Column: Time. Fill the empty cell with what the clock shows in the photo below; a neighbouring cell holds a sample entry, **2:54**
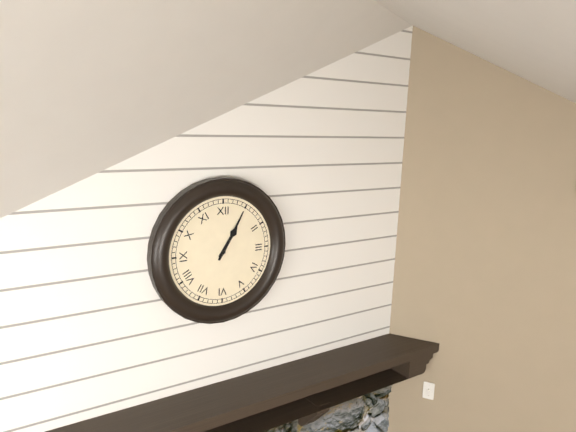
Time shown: **1:05**
